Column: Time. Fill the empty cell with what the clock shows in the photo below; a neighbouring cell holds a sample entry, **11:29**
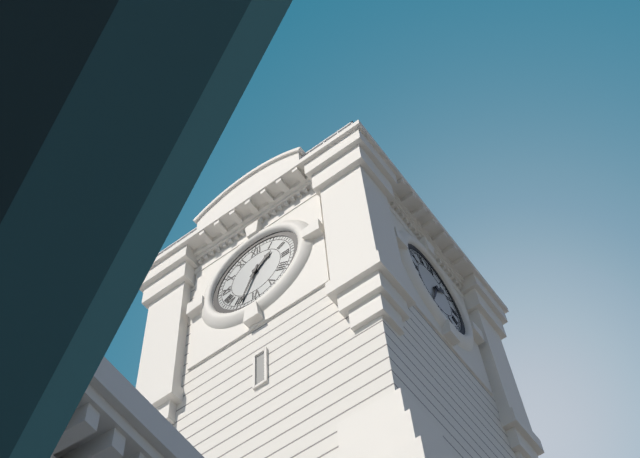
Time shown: **1:34**
